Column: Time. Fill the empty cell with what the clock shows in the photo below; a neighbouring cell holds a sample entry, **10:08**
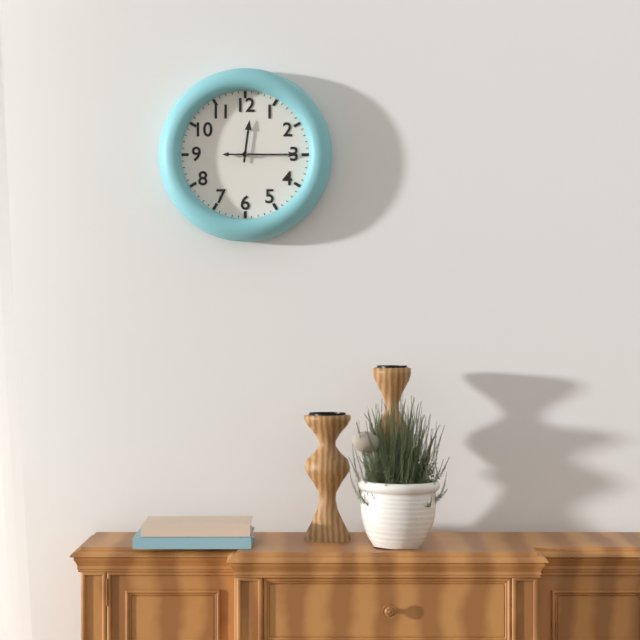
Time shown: **12:15**
